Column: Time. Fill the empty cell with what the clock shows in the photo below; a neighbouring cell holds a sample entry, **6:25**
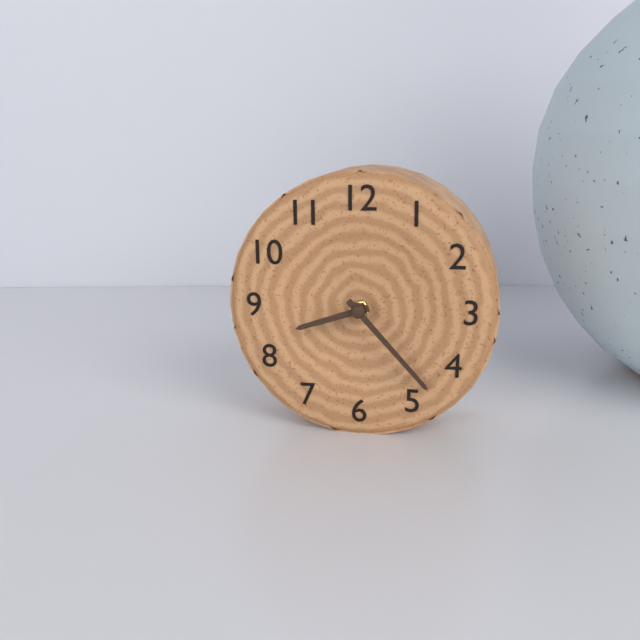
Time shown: **8:23**
